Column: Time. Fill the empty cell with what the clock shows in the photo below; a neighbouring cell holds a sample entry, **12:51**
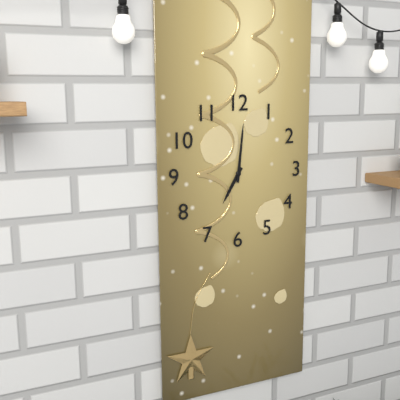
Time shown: **7:01**
